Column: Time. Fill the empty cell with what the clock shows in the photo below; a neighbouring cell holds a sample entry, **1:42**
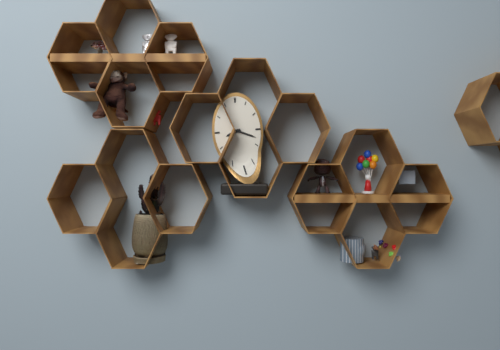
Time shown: **8:19**
